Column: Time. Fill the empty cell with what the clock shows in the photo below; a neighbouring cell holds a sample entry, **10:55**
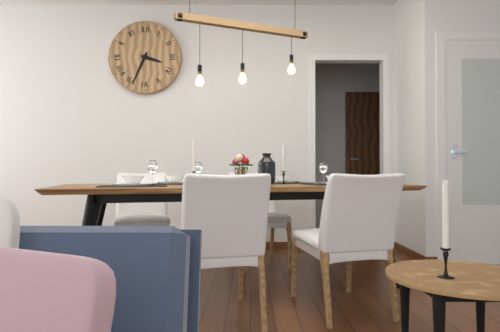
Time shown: **3:34**
